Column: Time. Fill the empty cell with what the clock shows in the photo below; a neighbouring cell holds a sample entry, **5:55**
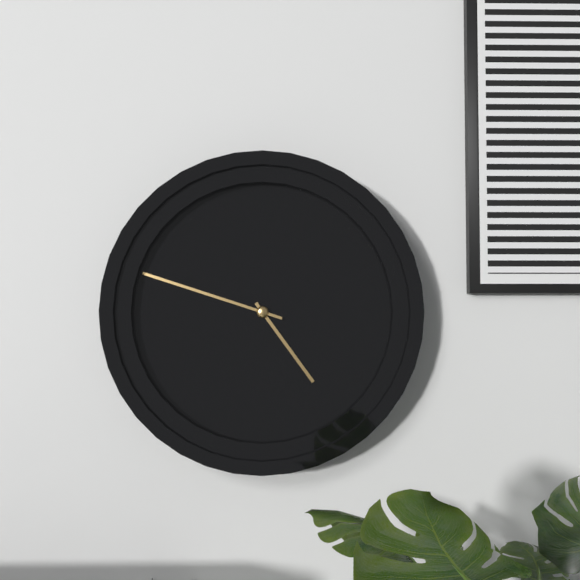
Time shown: **4:48**
